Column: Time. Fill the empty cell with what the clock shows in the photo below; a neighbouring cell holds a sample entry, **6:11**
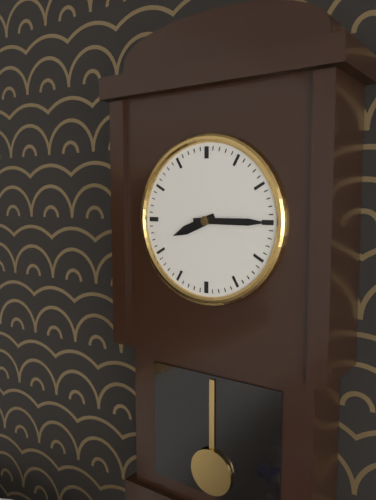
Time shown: **8:15**
